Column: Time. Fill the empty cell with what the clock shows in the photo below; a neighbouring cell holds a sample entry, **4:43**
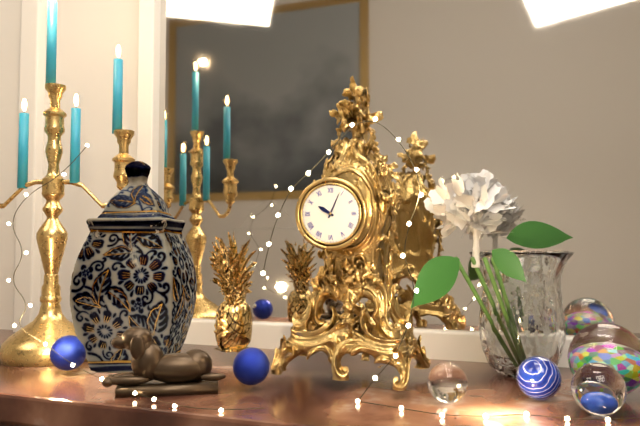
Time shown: **10:04**
